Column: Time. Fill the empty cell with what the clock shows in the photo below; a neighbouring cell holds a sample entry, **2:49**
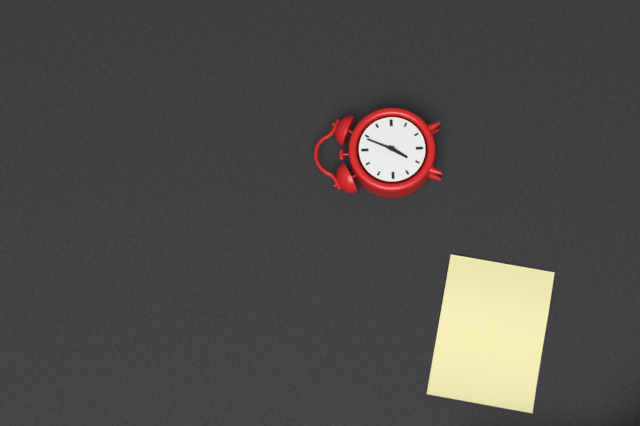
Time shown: **7:04**
